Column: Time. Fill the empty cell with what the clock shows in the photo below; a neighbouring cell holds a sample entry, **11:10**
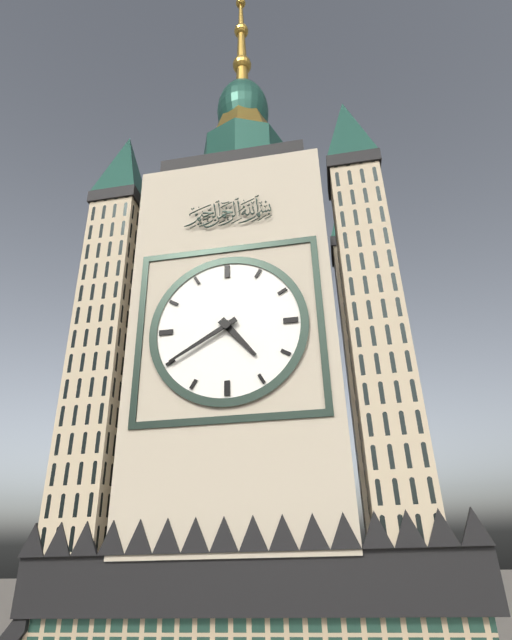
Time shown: **4:40**
